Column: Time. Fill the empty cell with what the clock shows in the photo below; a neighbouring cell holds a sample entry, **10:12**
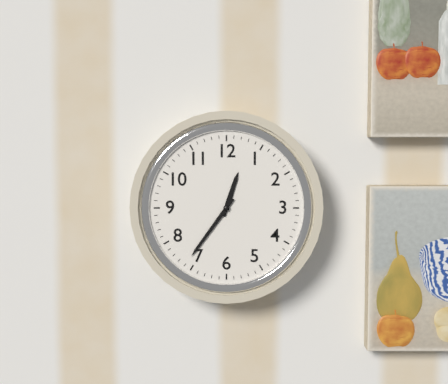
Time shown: **12:36**
